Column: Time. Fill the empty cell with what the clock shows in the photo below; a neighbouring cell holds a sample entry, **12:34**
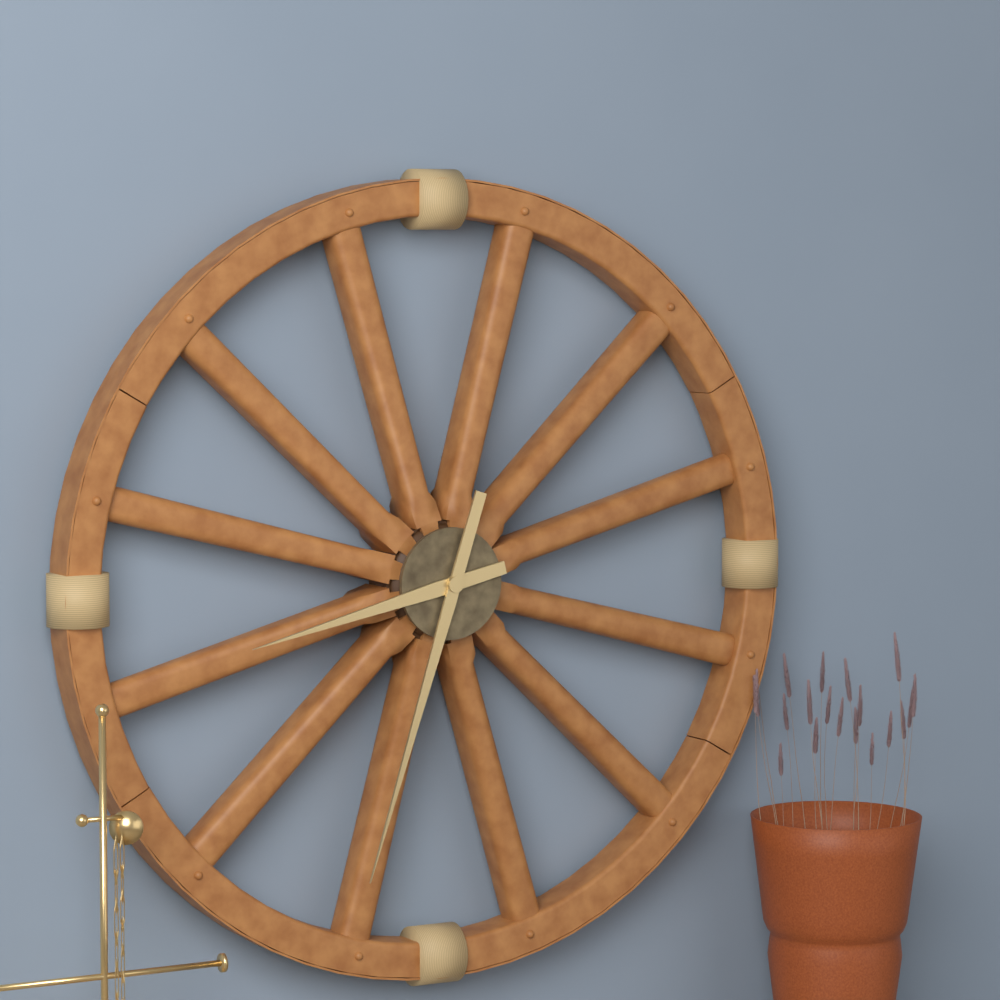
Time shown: **8:33**
